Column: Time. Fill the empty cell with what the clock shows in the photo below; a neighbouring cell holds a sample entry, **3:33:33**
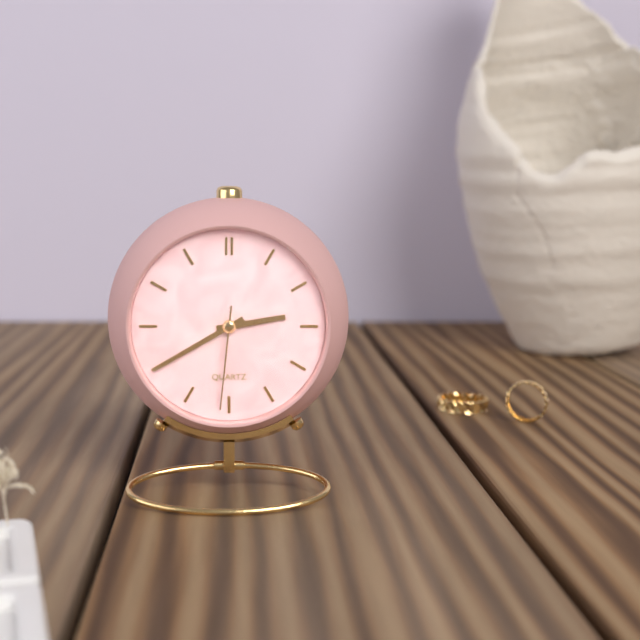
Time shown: **2:40:31**
